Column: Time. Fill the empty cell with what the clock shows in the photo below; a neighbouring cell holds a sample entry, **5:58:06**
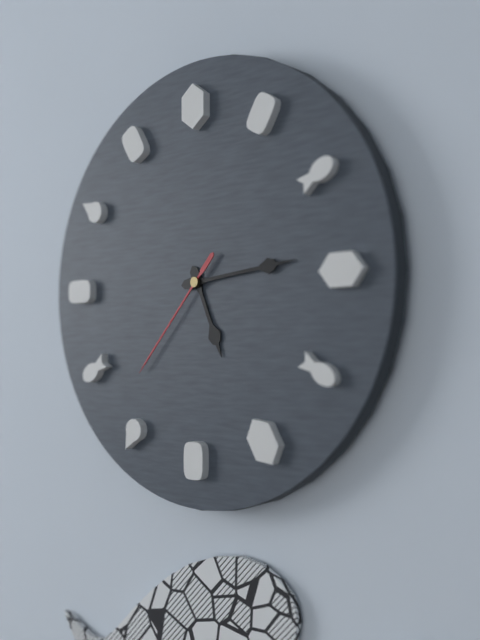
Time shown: **5:14:37**
